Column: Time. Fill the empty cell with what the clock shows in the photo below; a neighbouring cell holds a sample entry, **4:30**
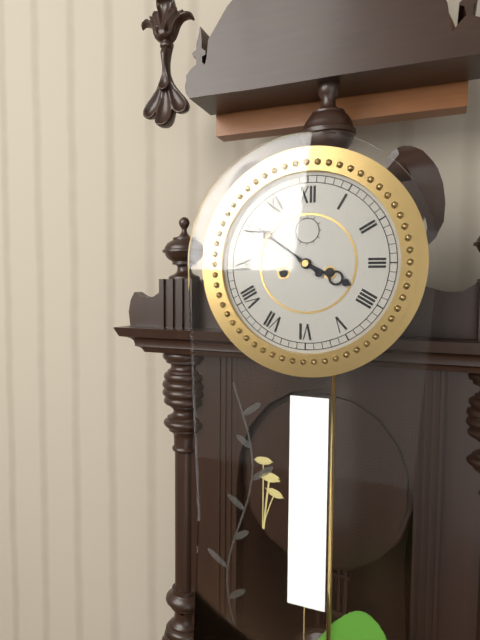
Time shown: **3:51**
